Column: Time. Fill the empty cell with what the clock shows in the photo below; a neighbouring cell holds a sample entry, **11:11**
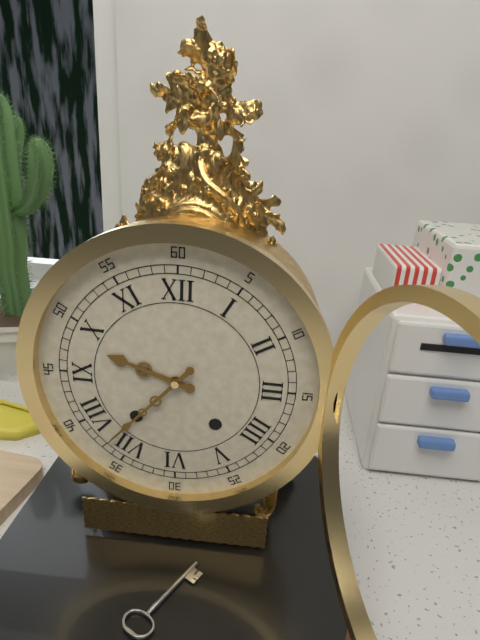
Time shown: **9:37**
